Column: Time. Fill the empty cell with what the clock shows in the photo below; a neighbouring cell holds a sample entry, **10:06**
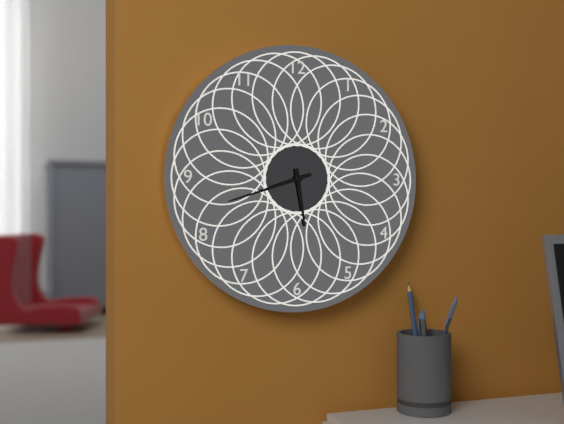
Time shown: **5:42**
